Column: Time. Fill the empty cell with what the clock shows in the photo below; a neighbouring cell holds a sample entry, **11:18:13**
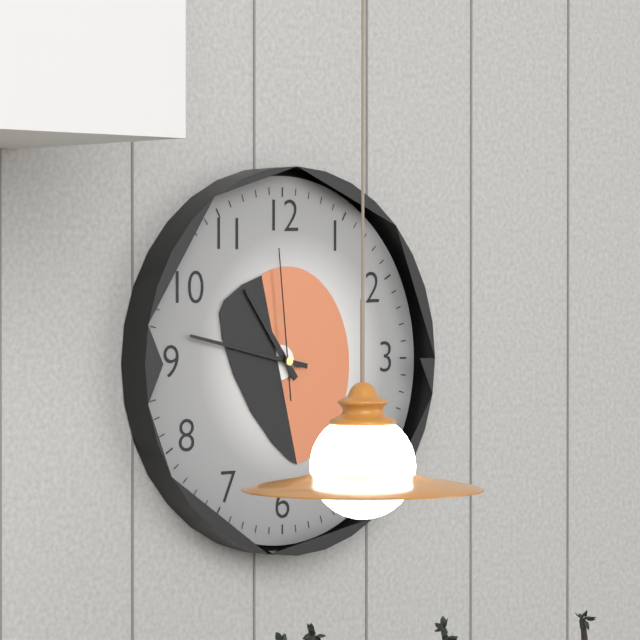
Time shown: **10:47:59**
